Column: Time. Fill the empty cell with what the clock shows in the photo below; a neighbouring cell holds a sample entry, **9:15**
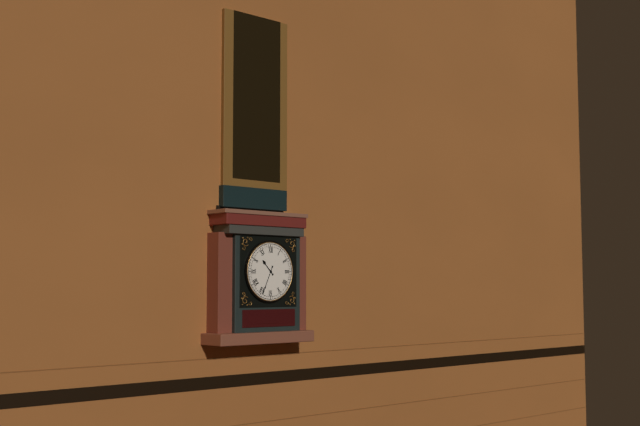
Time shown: **10:34**
